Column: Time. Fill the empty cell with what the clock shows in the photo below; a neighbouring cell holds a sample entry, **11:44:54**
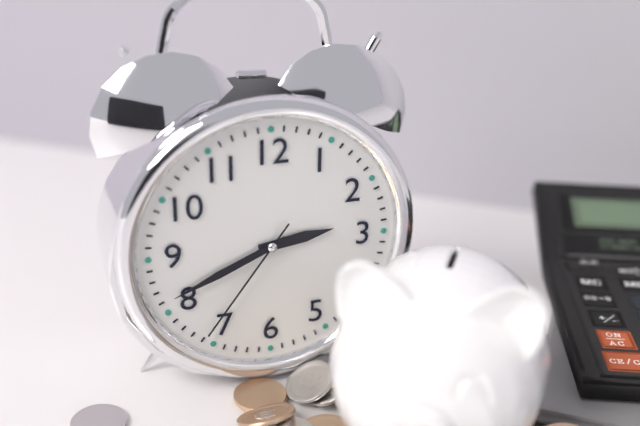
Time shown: **2:41:36**
